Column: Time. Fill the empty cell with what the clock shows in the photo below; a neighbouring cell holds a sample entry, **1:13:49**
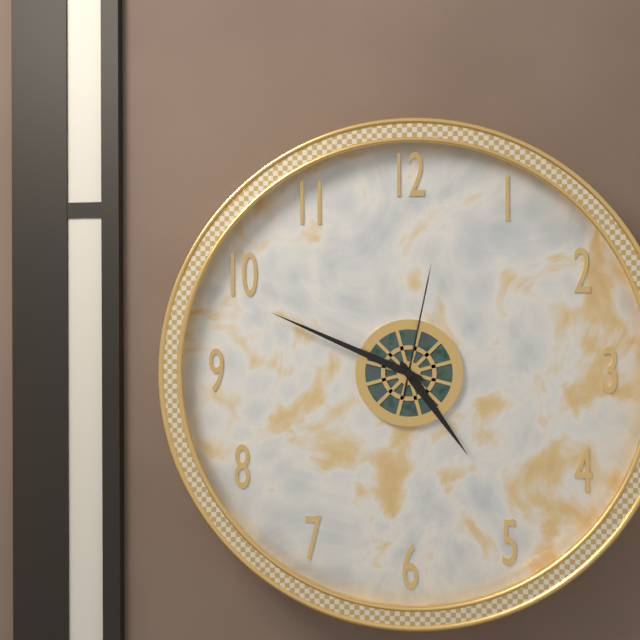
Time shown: **4:49:02**
